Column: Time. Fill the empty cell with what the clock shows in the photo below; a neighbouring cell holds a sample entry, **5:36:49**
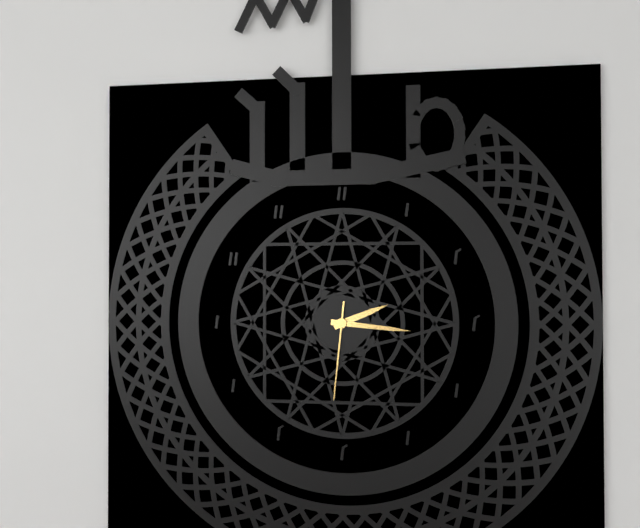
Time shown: **2:16:31**
